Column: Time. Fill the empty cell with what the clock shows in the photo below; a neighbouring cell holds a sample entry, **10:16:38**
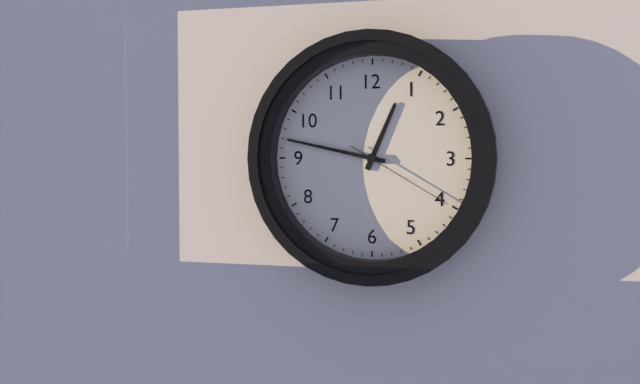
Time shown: **12:47:20**
